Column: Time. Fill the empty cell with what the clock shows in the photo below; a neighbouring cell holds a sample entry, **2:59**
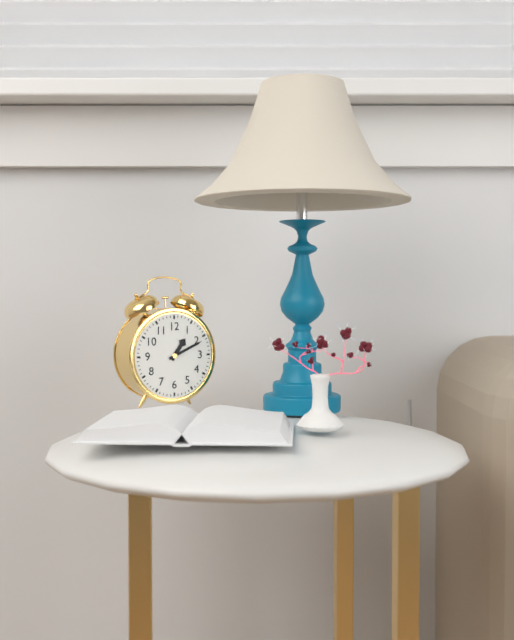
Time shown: **1:11**
